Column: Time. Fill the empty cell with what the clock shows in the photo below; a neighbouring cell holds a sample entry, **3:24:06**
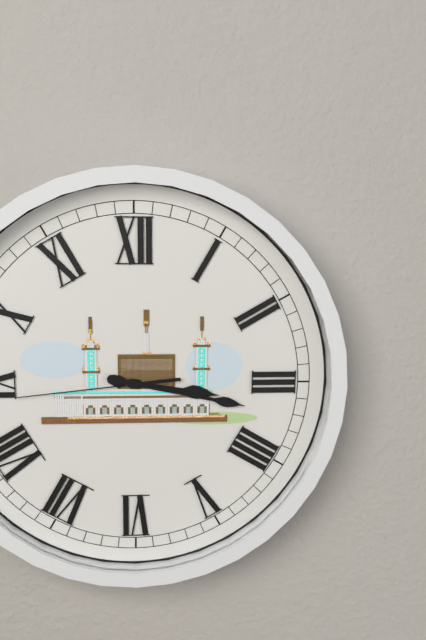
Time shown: **3:17:44**
